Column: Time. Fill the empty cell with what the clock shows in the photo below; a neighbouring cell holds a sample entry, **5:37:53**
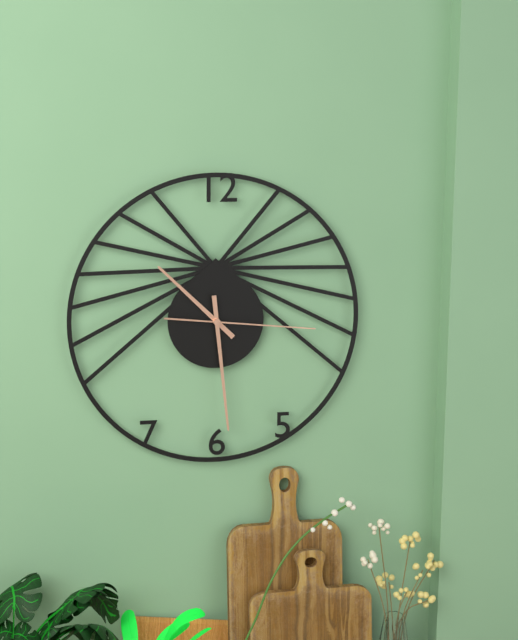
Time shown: **10:29:16**
